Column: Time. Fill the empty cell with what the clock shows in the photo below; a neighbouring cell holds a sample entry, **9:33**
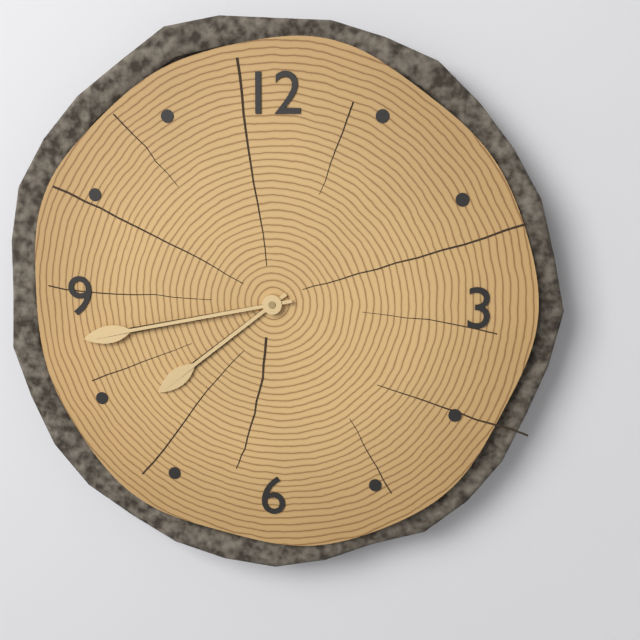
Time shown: **7:43**
